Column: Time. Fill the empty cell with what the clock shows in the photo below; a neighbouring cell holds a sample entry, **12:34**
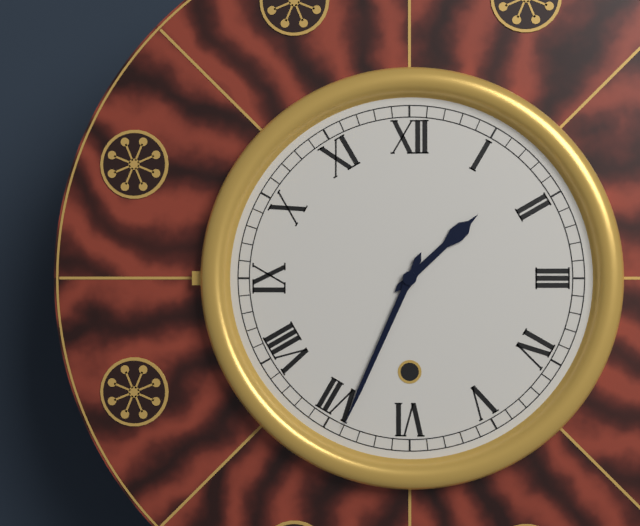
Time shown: **1:34**
